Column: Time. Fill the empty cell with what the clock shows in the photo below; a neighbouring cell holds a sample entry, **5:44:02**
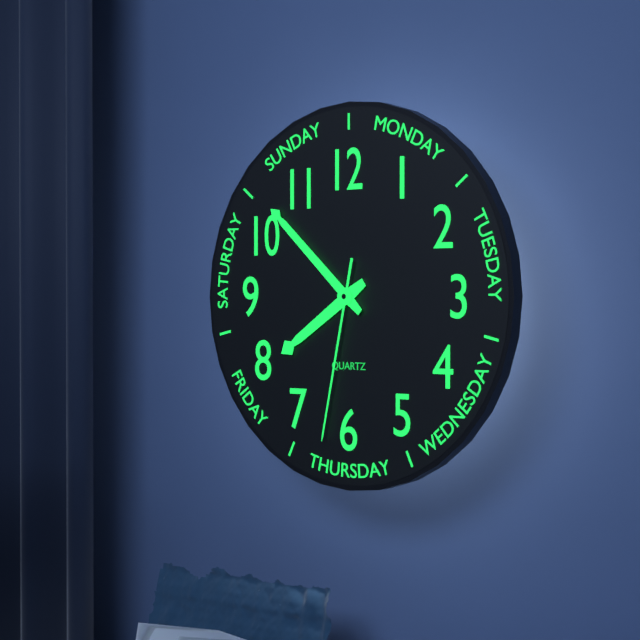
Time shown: **7:52:32**
